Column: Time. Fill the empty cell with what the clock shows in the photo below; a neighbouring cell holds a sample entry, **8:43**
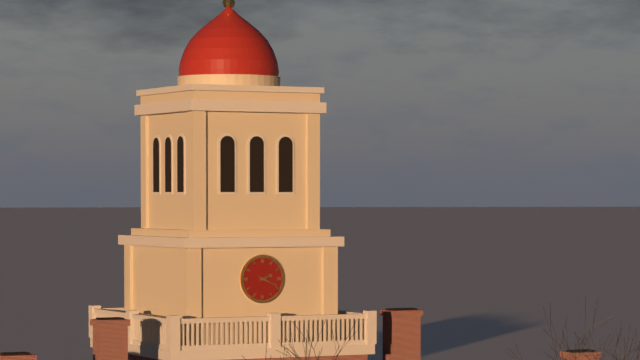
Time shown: **2:19**
